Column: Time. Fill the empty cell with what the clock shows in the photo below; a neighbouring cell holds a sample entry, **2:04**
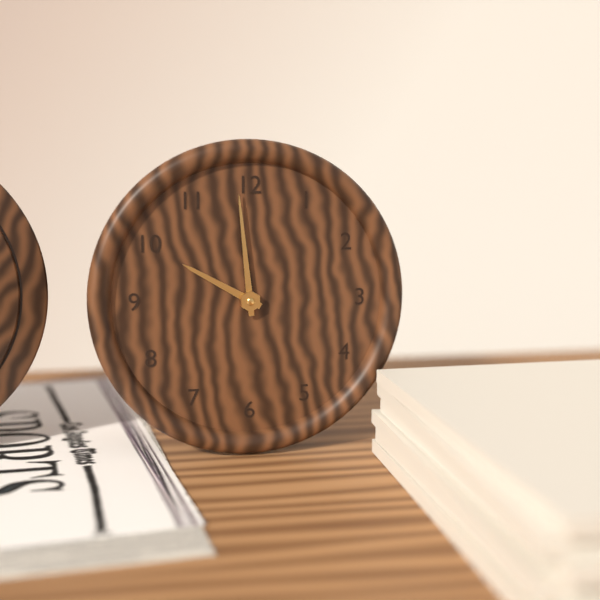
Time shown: **9:59**
